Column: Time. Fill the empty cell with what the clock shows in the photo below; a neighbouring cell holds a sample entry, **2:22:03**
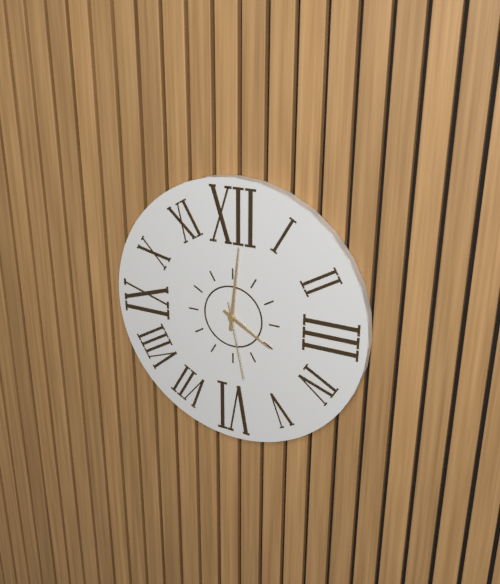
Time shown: **4:01:28**
